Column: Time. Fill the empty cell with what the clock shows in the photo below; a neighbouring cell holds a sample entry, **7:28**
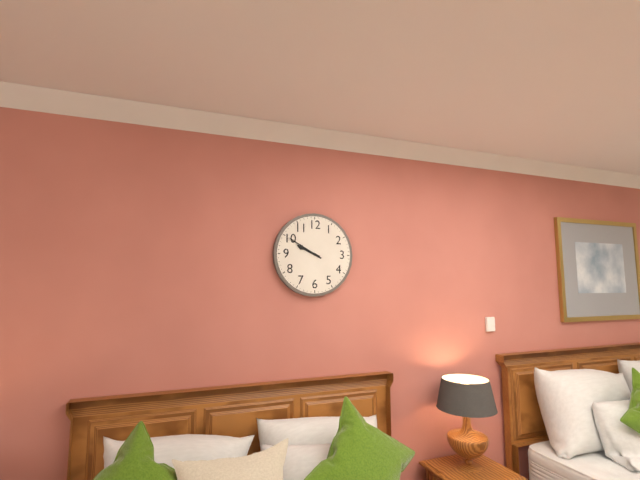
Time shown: **9:50**
